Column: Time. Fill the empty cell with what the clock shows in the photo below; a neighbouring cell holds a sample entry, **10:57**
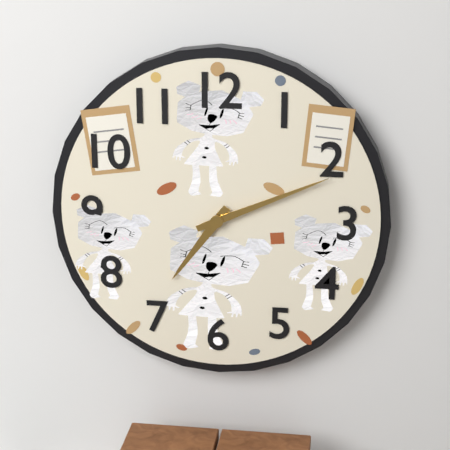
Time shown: **7:11**
